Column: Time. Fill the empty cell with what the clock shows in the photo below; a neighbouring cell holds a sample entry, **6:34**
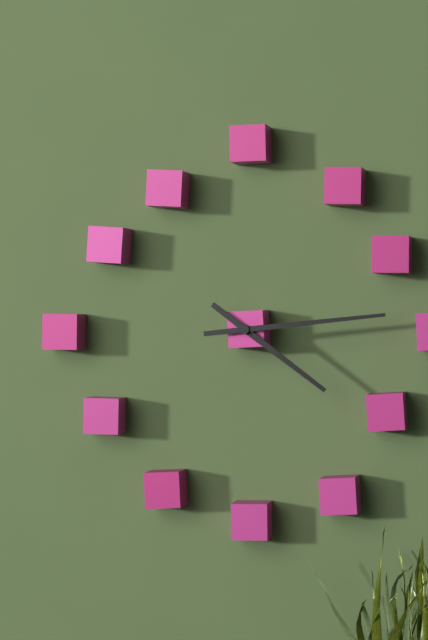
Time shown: **4:14**
